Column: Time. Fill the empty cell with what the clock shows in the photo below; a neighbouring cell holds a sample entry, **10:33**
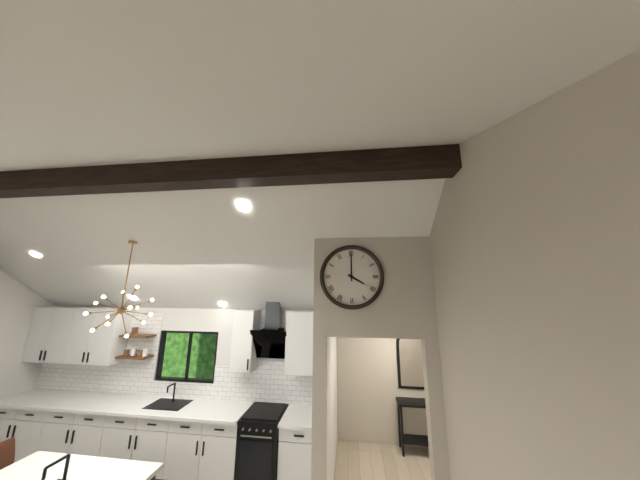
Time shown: **4:00**
